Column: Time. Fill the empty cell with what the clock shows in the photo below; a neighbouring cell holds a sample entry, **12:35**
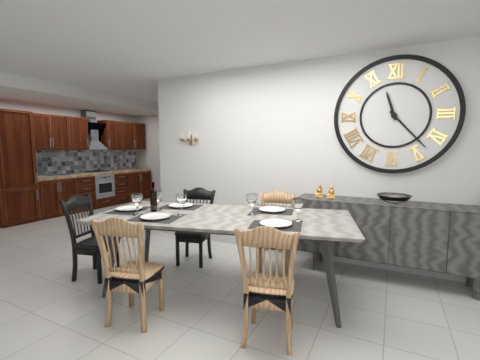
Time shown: **11:23**
